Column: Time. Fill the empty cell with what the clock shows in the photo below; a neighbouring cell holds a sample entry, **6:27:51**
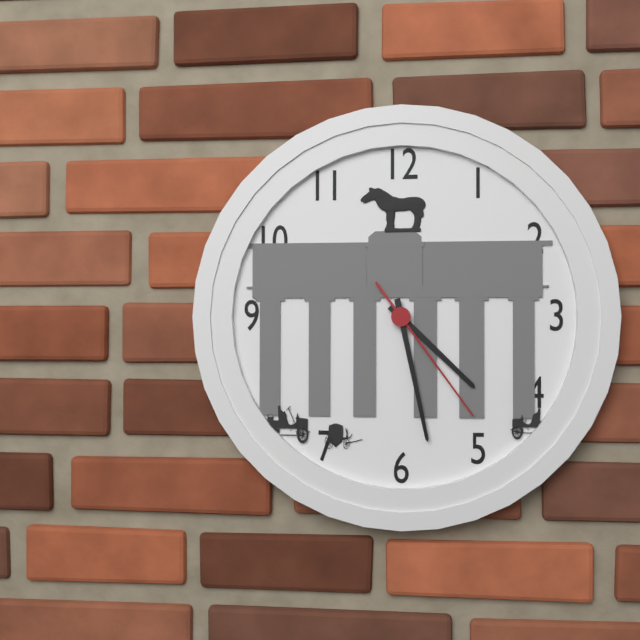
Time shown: **4:28:24**
